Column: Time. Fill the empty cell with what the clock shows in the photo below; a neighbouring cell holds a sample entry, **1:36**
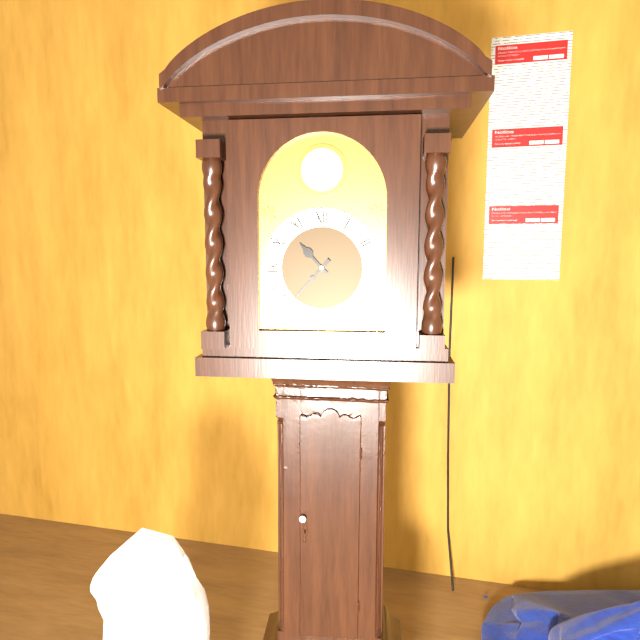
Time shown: **10:37**
